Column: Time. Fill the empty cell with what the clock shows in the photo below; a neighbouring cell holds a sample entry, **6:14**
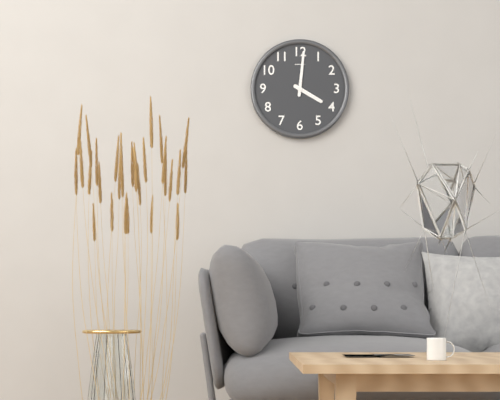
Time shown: **4:01**
